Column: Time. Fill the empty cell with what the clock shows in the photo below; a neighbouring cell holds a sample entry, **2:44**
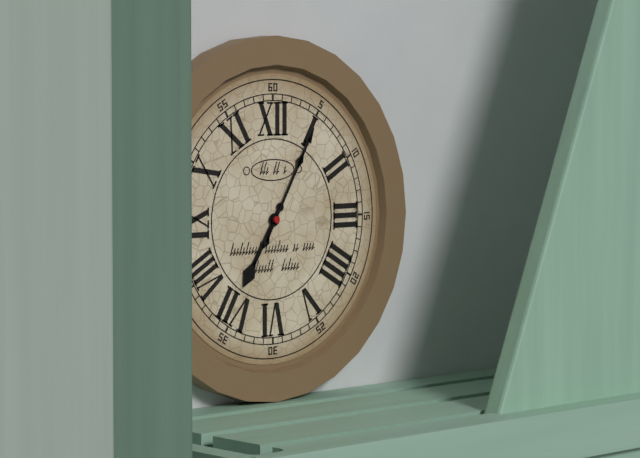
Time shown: **7:05**
